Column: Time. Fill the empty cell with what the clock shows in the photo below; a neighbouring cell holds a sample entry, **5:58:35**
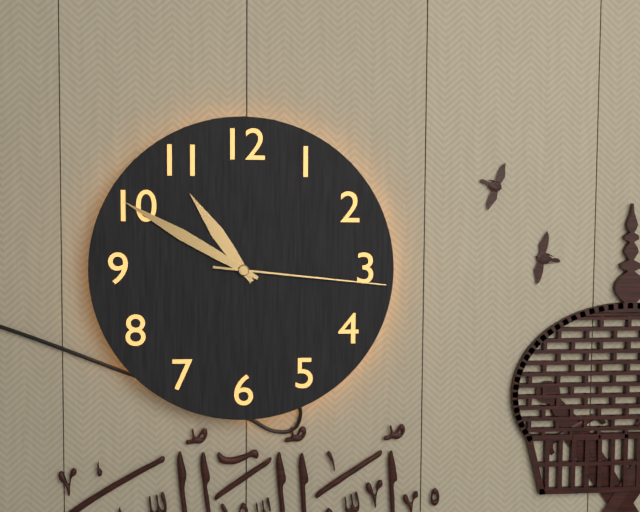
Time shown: **10:50:16**
